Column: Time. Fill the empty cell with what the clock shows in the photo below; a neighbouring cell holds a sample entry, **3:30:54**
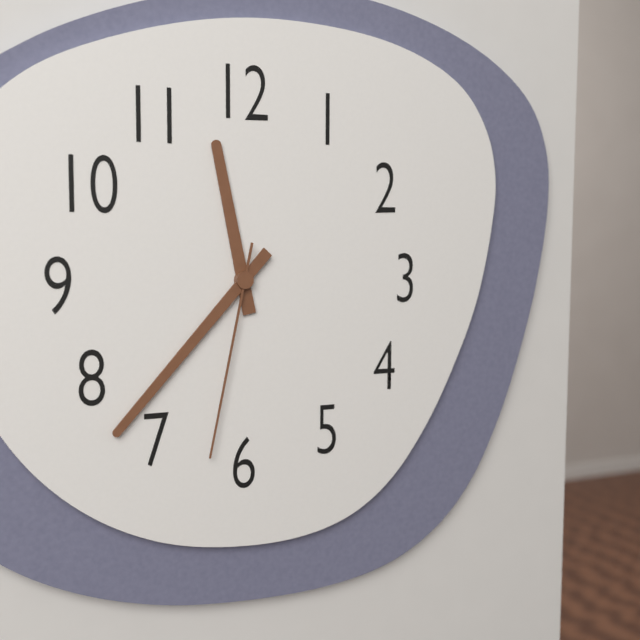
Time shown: **11:37:32**
